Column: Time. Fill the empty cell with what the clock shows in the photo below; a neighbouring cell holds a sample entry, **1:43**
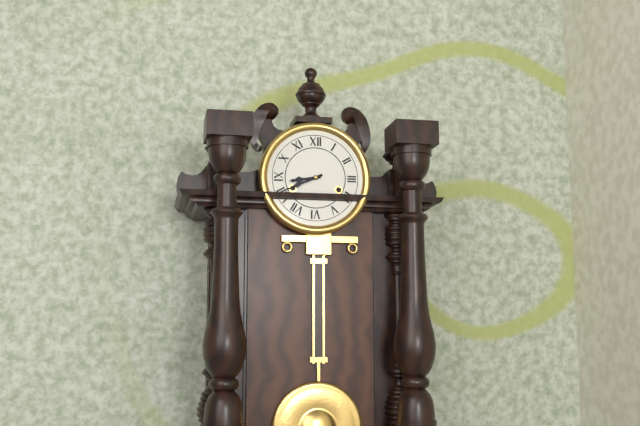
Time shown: **8:41**
